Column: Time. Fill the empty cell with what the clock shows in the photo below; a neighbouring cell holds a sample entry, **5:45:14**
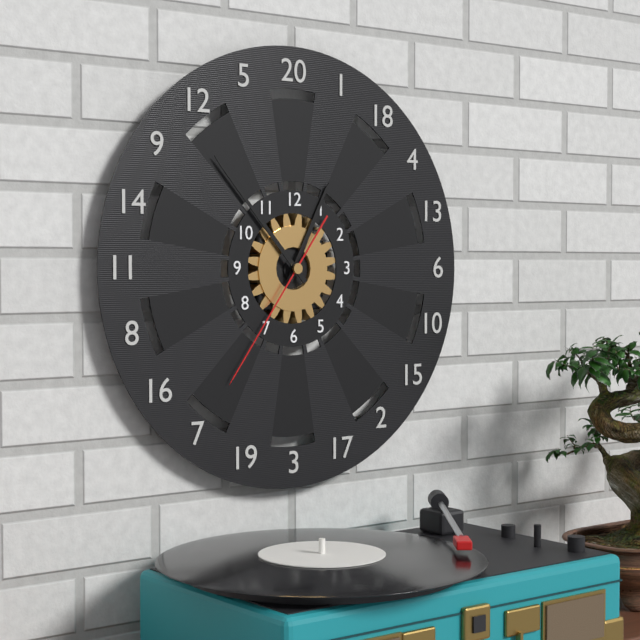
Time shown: **12:53:36**
